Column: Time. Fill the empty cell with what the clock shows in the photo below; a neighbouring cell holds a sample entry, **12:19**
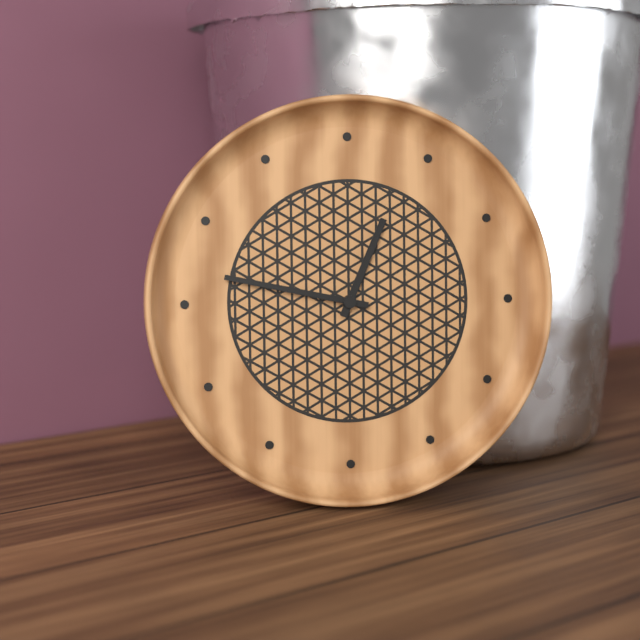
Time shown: **12:47**
